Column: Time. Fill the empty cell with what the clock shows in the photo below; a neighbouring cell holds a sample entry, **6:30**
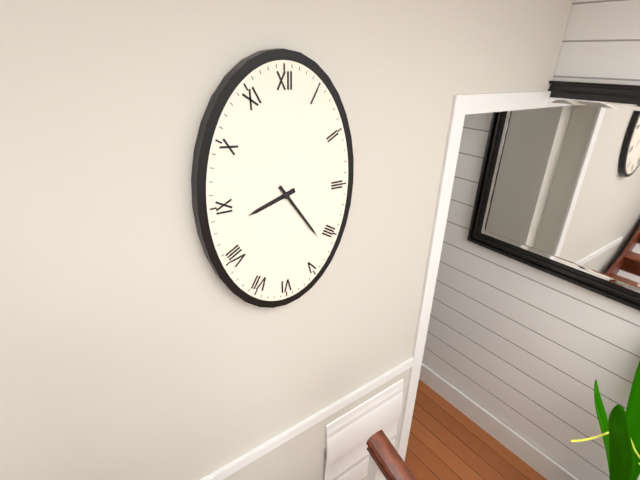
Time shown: **8:24**
